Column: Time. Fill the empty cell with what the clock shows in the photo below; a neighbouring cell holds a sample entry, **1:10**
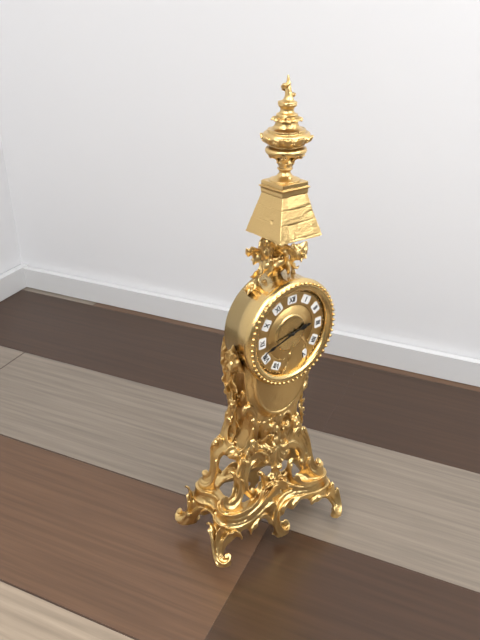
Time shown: **2:42**
